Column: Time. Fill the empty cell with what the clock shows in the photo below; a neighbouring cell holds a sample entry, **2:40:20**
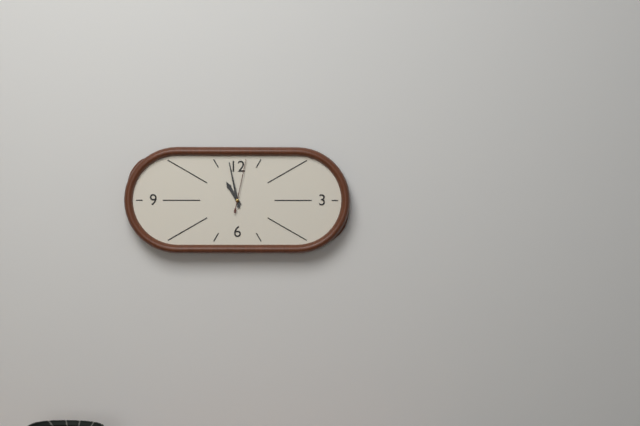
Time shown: **10:58:02**
